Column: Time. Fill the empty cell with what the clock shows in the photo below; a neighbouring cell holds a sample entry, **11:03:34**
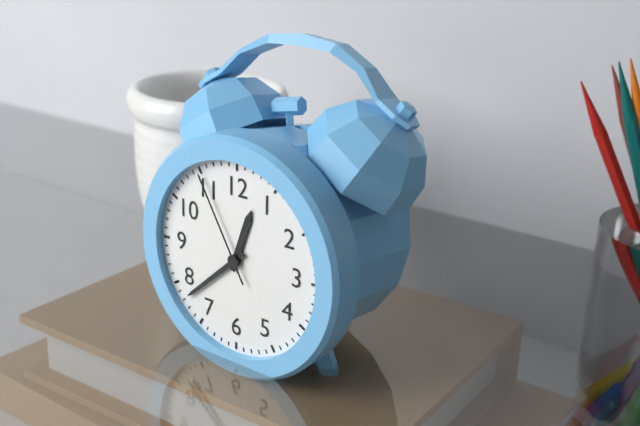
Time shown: **12:38:55**
